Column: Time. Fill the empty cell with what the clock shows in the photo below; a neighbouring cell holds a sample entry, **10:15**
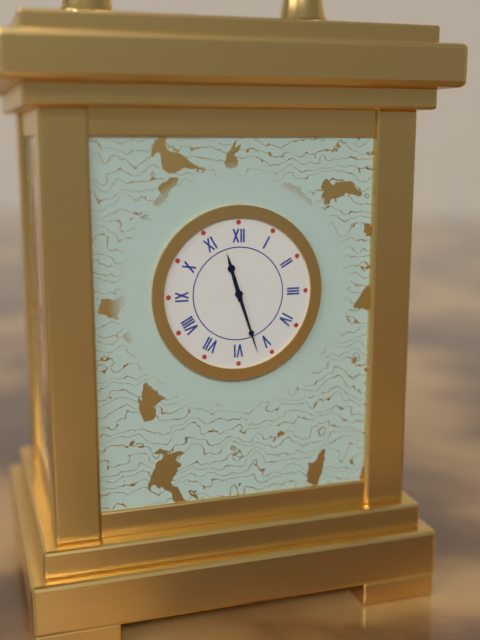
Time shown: **11:27**
